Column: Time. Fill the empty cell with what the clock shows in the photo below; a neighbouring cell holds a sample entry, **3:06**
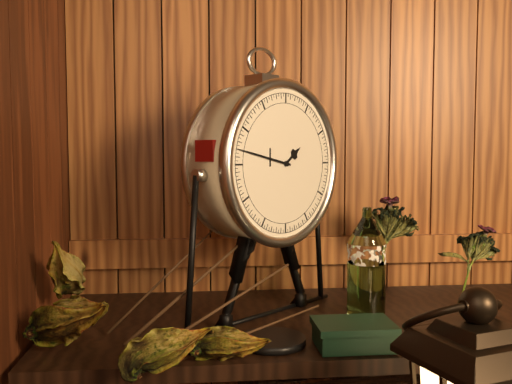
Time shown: **1:47**
